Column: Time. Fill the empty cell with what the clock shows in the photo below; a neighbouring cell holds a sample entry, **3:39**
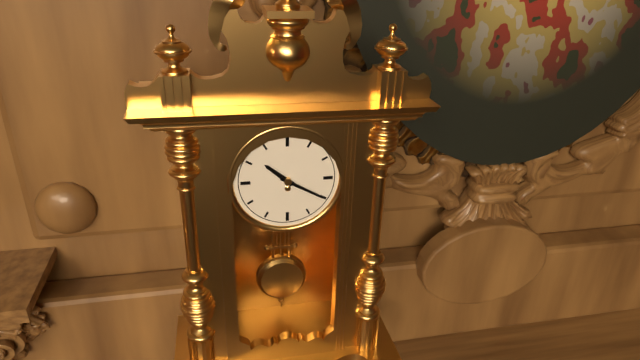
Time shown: **10:20**
